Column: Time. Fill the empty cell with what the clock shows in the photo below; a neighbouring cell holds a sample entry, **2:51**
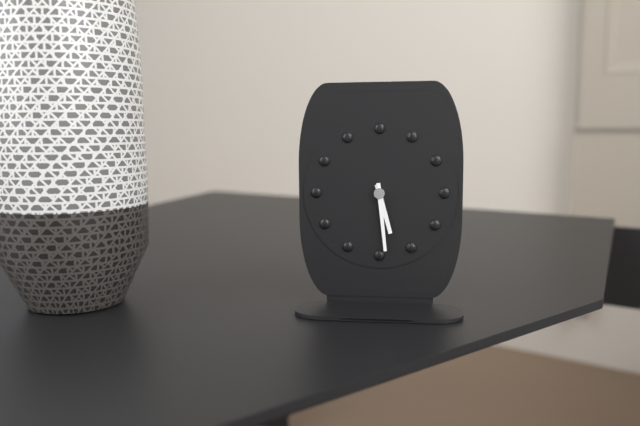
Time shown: **5:29**
